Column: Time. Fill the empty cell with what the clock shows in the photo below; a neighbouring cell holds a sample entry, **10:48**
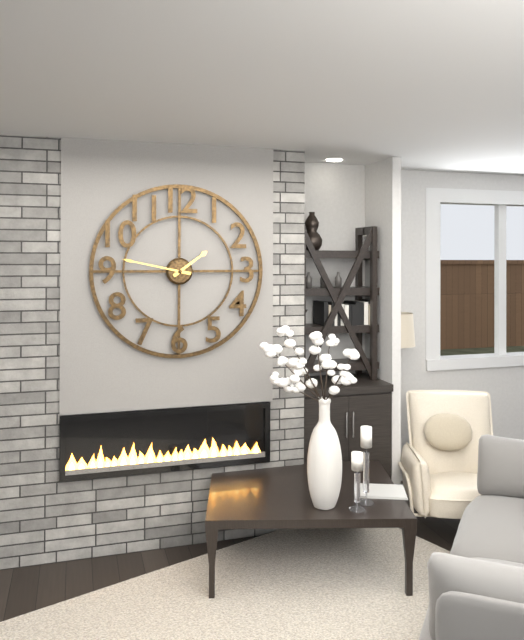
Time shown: **1:47**
